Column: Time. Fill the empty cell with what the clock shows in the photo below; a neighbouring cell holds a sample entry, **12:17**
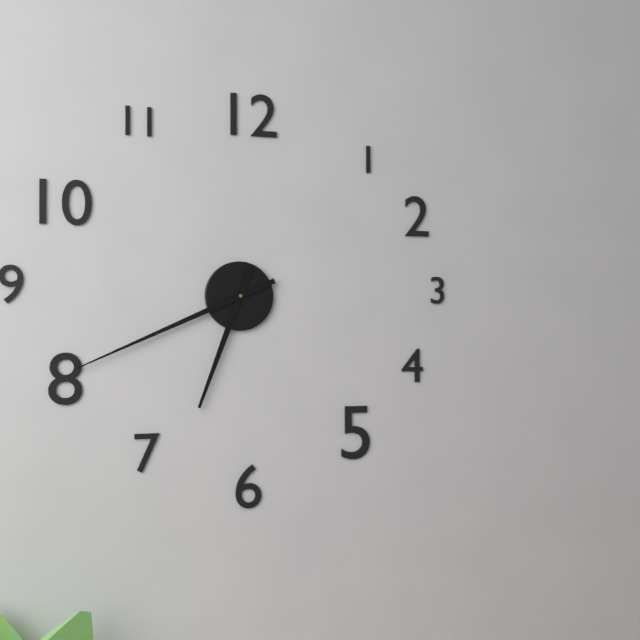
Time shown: **6:41**
